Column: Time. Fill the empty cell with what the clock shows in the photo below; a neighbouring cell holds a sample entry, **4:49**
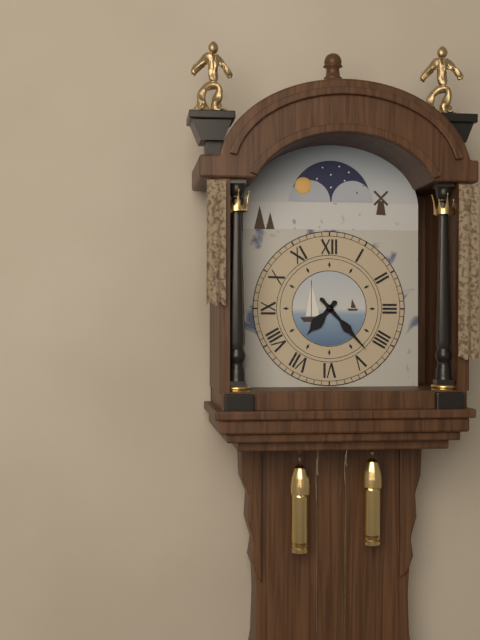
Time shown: **7:23**
